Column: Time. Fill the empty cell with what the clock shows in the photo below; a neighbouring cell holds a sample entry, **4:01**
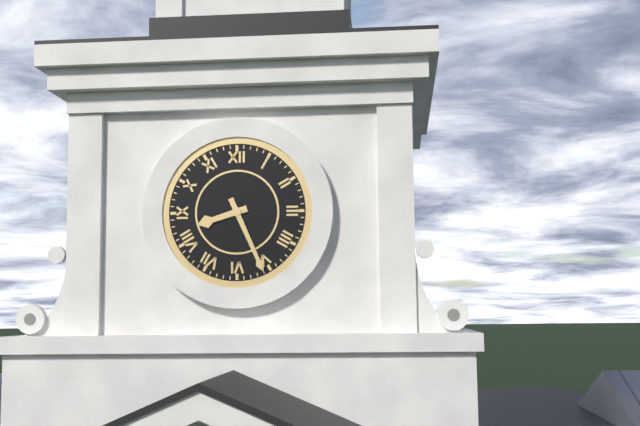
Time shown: **8:26**
